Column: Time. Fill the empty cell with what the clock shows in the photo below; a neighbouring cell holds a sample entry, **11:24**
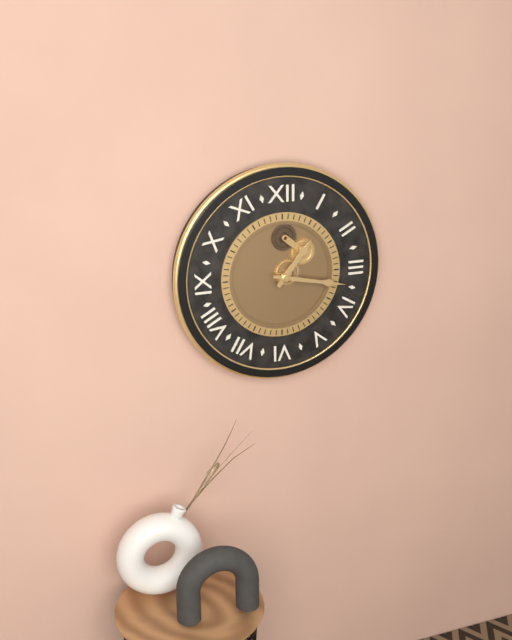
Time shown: **1:17**
